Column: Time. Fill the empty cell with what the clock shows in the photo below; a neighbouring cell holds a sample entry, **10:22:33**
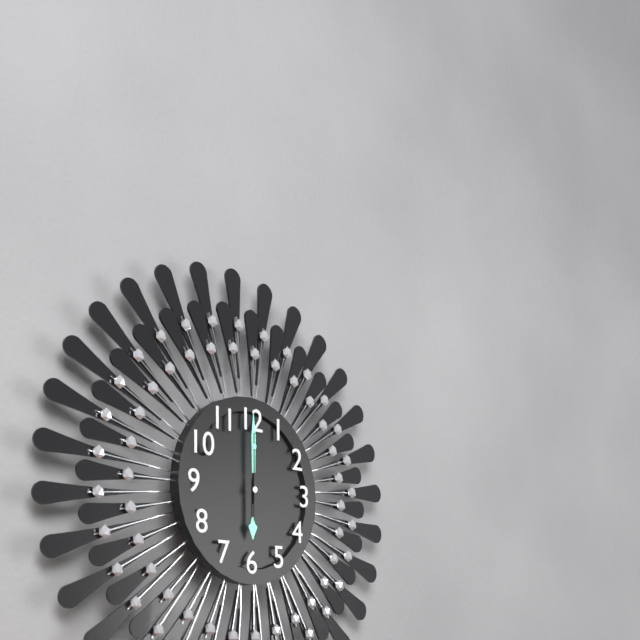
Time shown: **6:00:00**
